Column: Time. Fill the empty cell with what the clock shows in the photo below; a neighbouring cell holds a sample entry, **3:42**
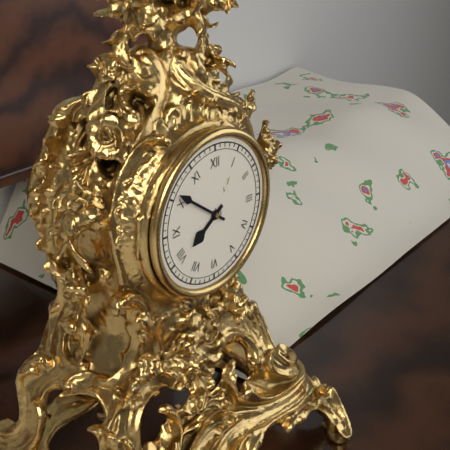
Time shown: **7:51**
